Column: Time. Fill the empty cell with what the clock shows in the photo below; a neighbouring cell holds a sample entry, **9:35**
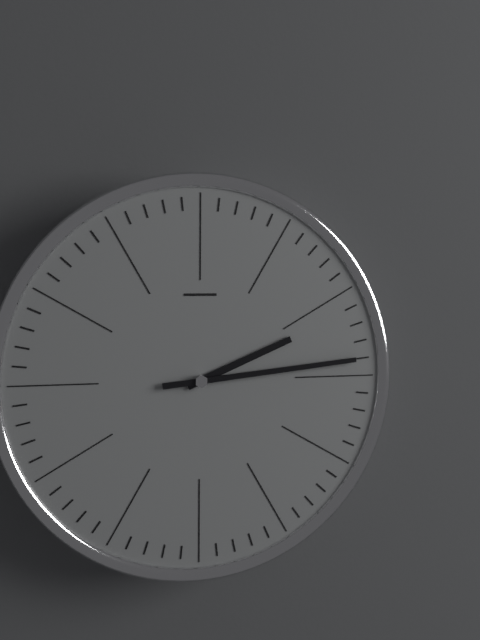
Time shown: **2:14**
